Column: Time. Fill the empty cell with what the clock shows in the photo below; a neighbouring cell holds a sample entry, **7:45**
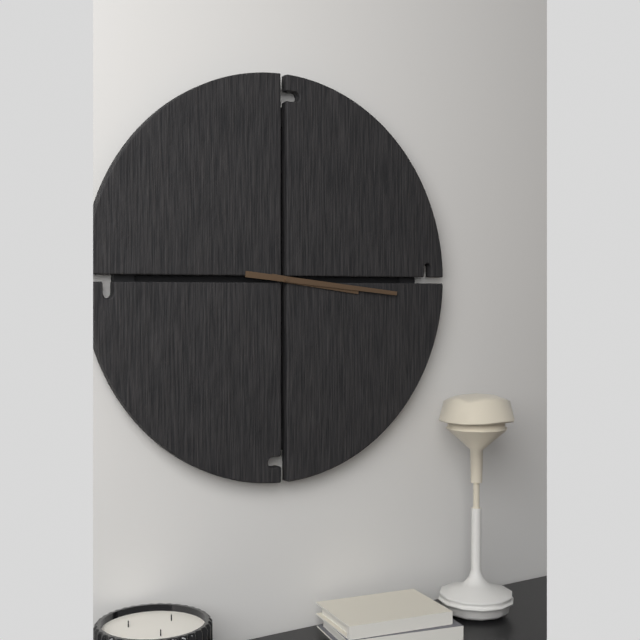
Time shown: **3:16**
